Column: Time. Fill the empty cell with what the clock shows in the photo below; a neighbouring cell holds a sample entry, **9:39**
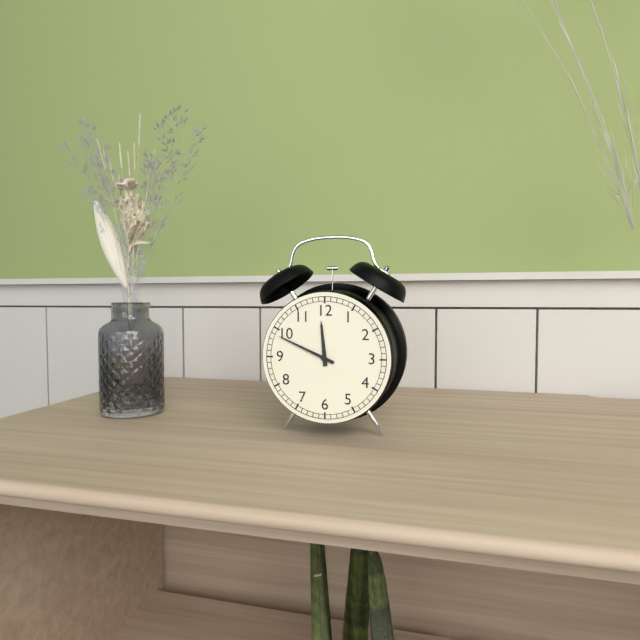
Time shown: **11:49**
